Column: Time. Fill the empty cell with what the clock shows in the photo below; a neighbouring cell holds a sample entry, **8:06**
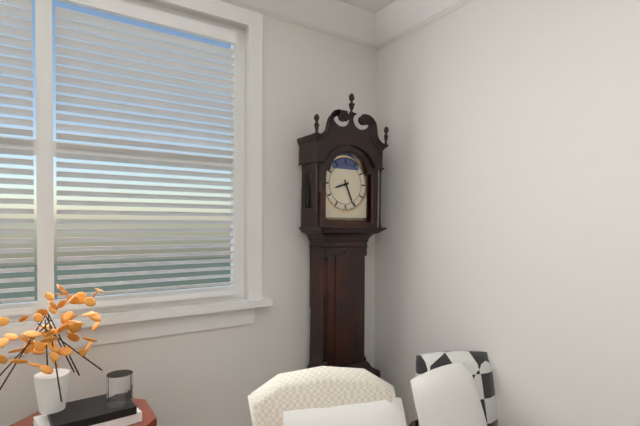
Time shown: **8:26**
